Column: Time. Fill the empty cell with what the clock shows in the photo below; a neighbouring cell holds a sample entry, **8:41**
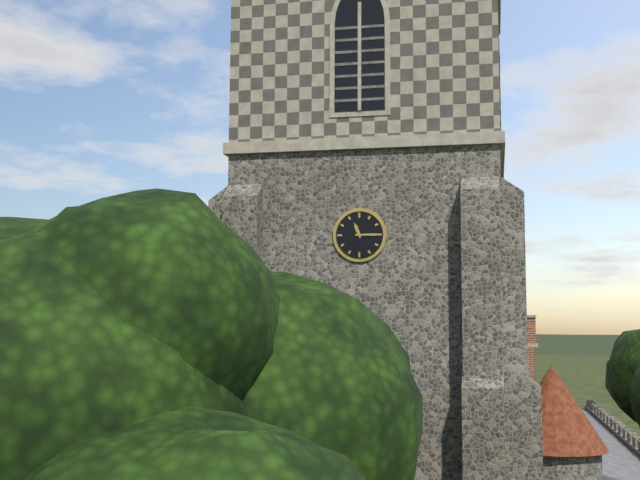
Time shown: **11:15**
